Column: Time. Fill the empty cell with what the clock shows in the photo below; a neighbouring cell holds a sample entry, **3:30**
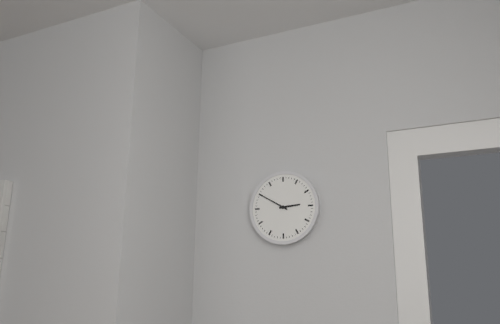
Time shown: **2:50**
